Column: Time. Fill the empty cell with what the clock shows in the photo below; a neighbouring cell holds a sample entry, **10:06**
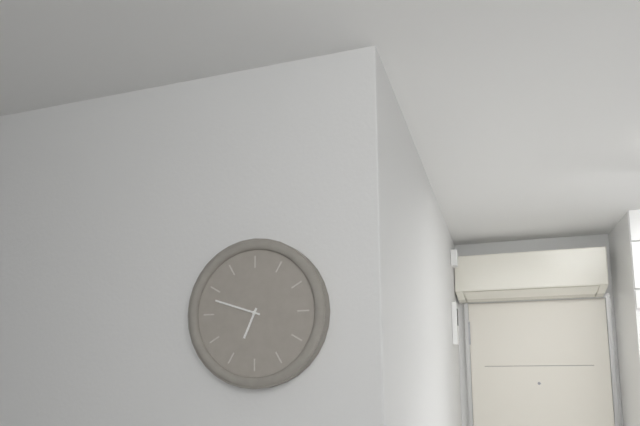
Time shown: **6:48**
